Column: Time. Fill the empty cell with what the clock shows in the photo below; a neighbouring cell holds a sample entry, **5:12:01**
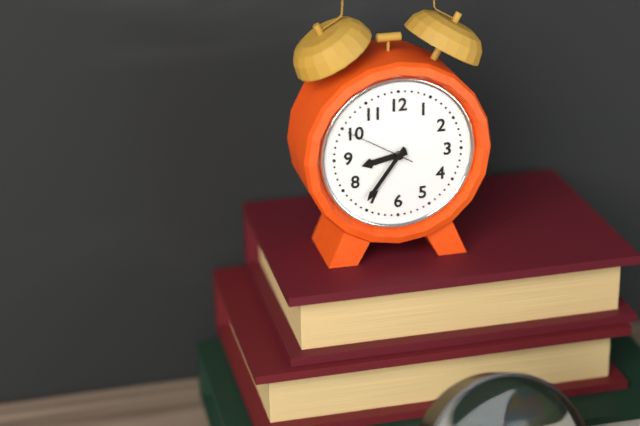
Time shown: **8:36:50**
